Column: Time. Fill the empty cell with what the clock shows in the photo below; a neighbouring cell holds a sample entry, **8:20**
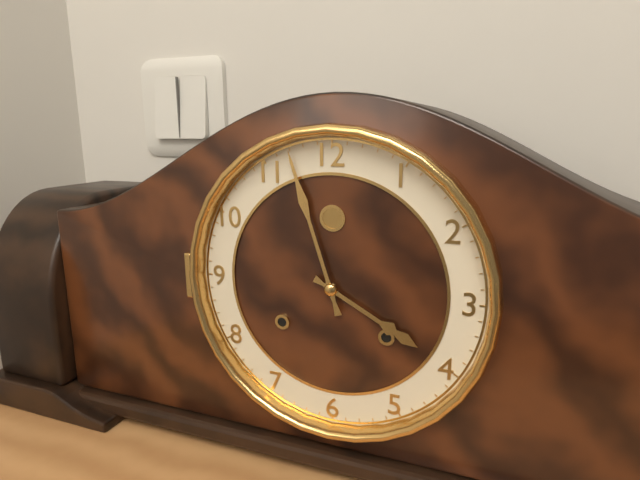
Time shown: **3:57**
